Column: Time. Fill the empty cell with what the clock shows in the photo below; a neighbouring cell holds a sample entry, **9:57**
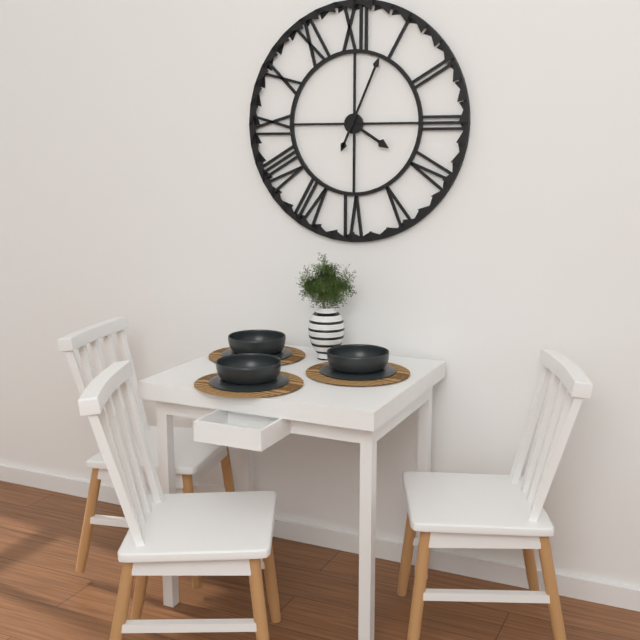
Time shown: **4:04**
